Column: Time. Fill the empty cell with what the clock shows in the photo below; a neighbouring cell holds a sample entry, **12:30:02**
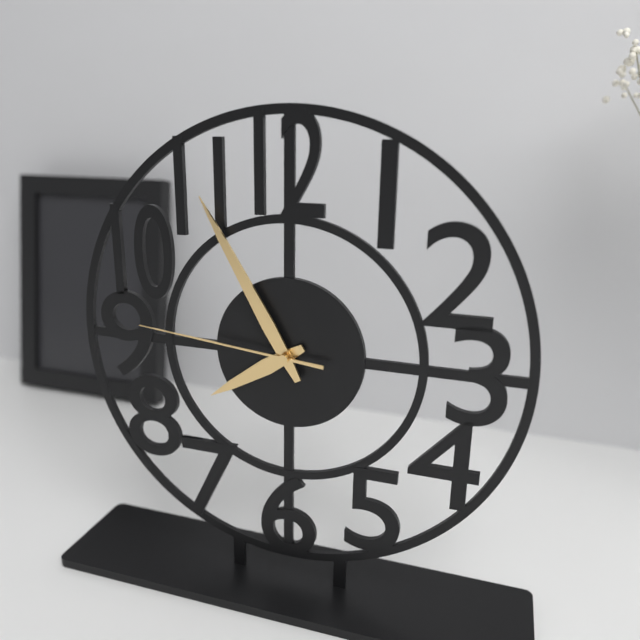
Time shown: **7:55:46**
